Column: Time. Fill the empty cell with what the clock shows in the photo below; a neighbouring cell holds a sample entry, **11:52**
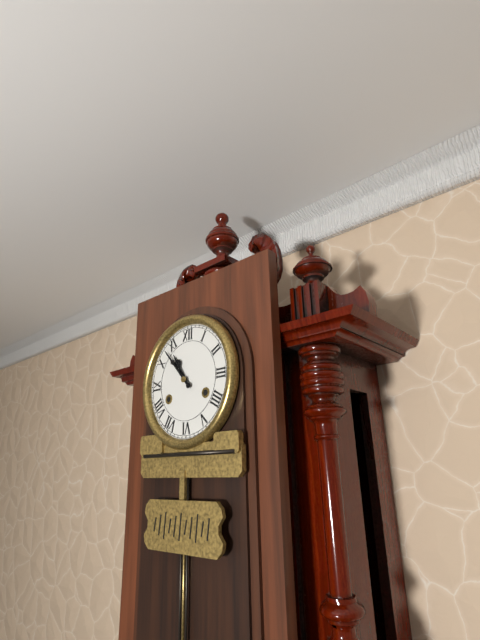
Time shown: **10:53**
